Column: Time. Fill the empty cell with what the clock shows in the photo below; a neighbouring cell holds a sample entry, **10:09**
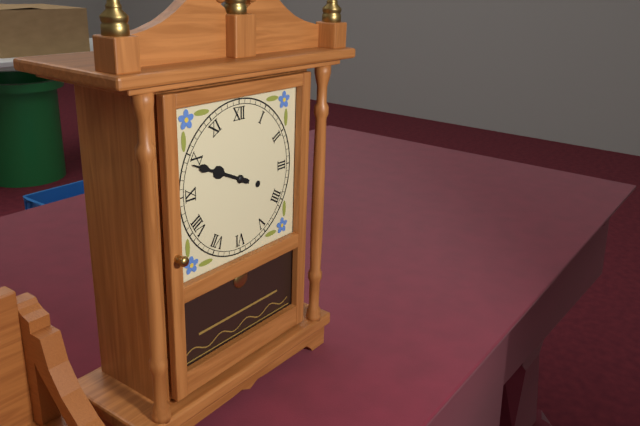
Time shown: **9:49**
